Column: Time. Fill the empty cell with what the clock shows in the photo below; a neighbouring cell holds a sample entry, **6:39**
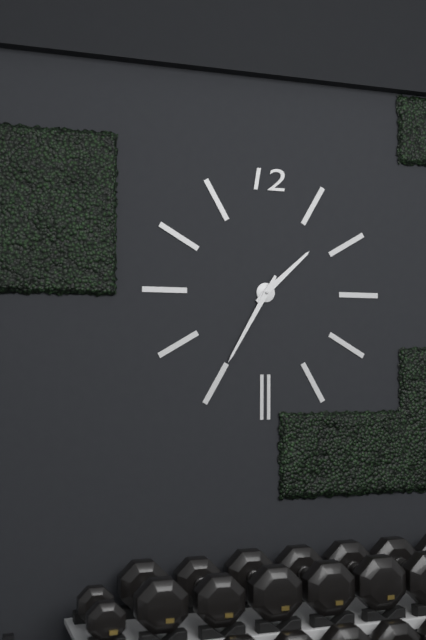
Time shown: **1:35**
